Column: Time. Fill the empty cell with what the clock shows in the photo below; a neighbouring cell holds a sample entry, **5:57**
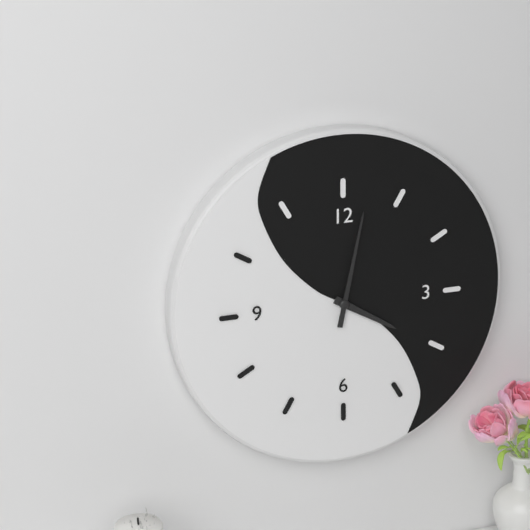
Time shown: **4:02**
